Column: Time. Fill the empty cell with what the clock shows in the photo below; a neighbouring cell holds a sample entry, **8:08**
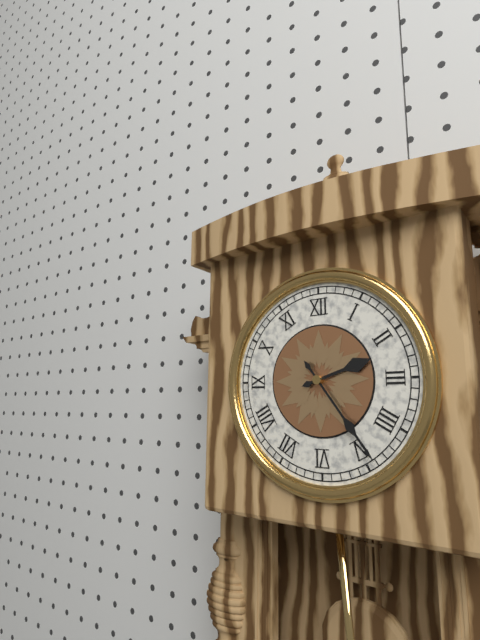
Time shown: **2:24**
